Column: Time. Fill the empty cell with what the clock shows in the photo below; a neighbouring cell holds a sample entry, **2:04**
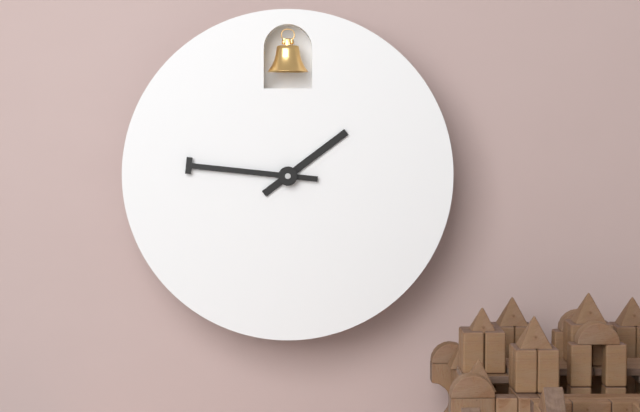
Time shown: **1:46**
